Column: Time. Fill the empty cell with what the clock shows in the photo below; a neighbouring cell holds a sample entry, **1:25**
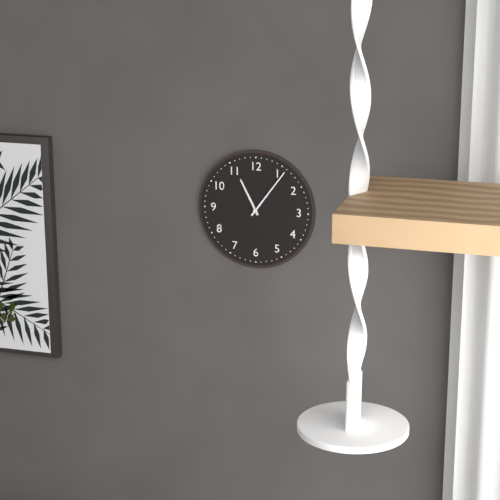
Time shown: **11:06**
